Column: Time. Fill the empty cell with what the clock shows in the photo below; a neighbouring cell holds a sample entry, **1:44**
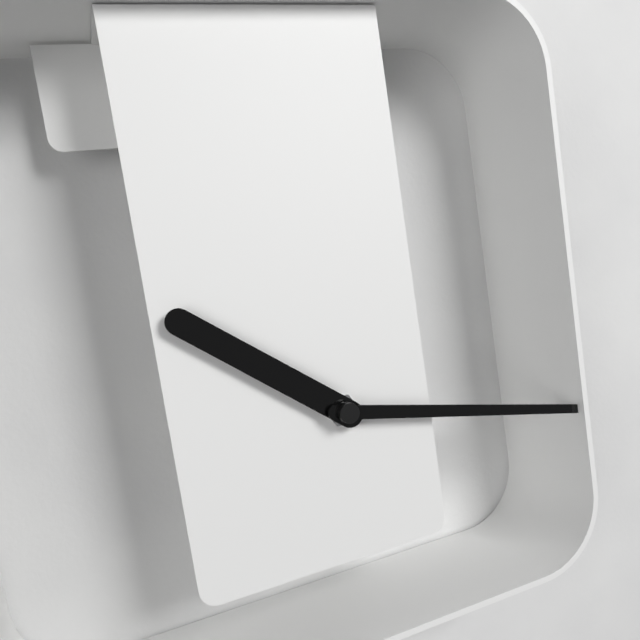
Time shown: **10:17**
